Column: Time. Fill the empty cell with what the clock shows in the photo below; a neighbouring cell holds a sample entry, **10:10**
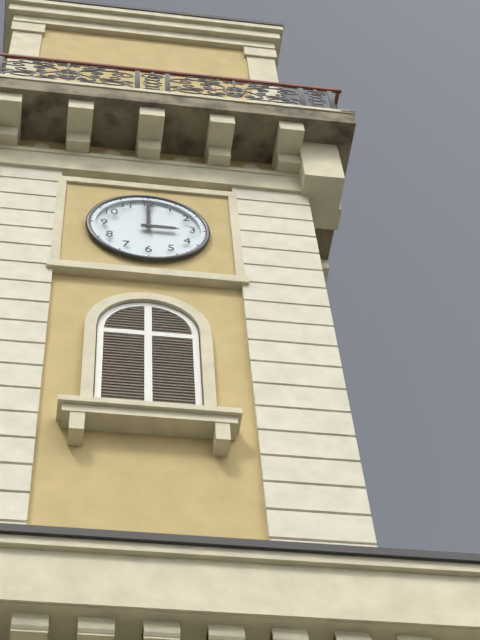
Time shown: **3:00**
